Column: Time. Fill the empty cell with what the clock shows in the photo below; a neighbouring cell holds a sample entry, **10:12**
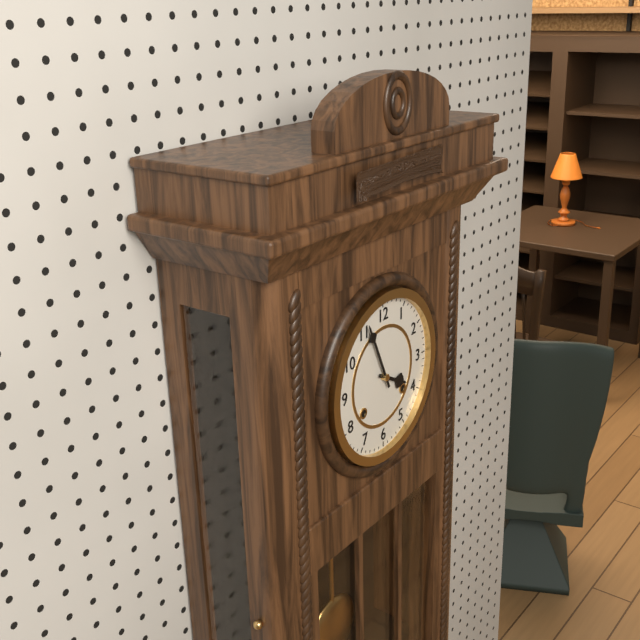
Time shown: **3:56**
